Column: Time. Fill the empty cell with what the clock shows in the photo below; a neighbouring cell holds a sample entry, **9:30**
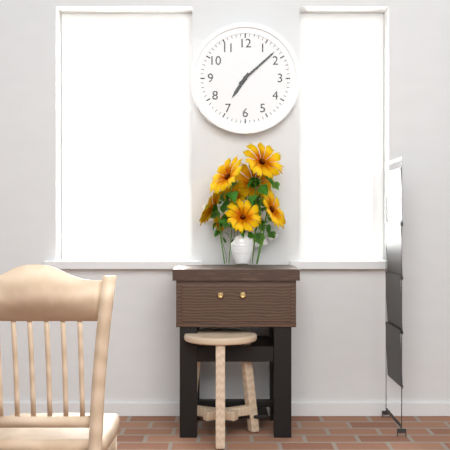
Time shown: **7:08**
